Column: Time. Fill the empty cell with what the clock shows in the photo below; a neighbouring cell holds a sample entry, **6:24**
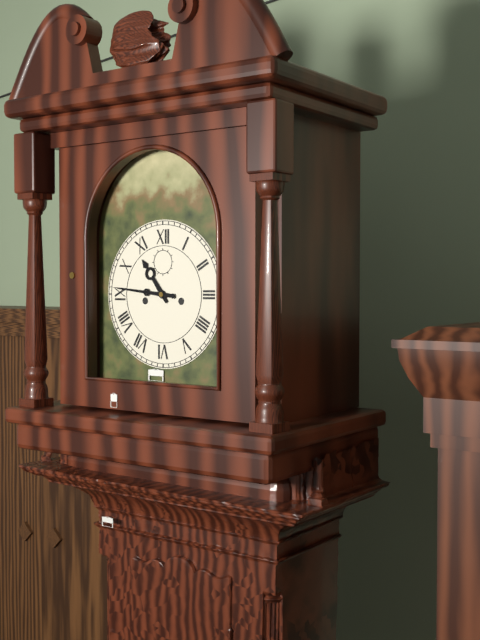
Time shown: **10:46**
